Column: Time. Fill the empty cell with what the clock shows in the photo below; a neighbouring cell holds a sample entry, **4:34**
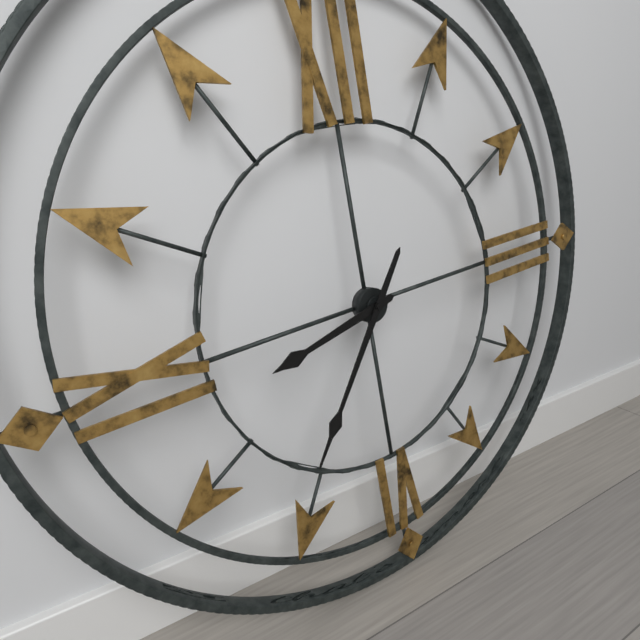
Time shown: **8:36**
